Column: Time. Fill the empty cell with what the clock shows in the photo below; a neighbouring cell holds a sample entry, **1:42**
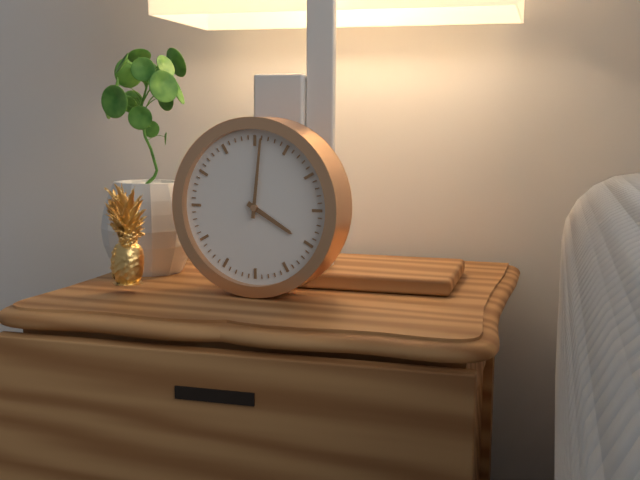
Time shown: **4:01**
